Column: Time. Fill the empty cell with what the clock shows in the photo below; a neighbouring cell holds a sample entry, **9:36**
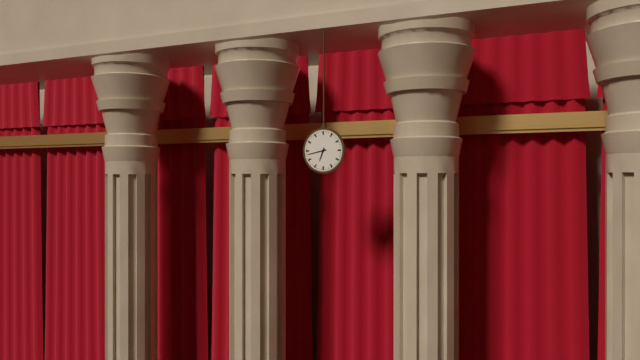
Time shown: **6:43**
